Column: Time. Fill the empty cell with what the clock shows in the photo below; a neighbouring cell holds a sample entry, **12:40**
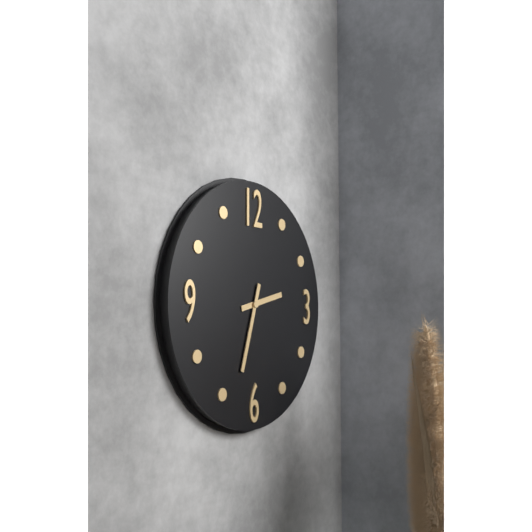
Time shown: **2:33**
